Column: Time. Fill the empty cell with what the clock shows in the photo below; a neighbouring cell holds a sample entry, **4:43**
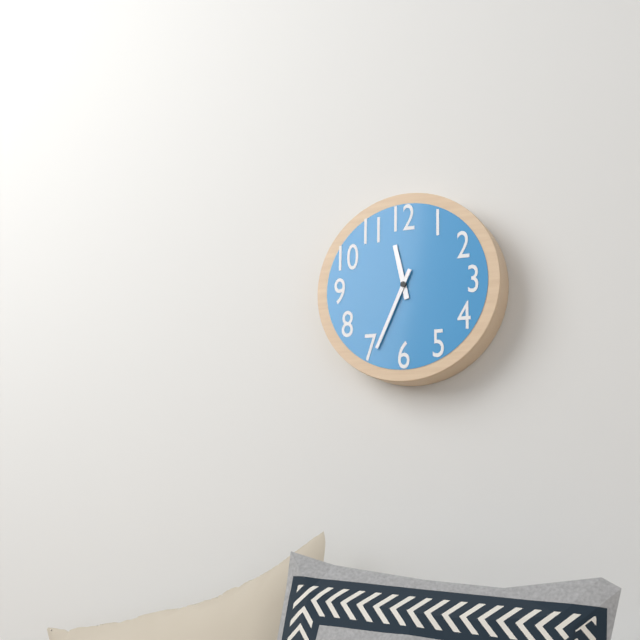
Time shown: **11:34**
